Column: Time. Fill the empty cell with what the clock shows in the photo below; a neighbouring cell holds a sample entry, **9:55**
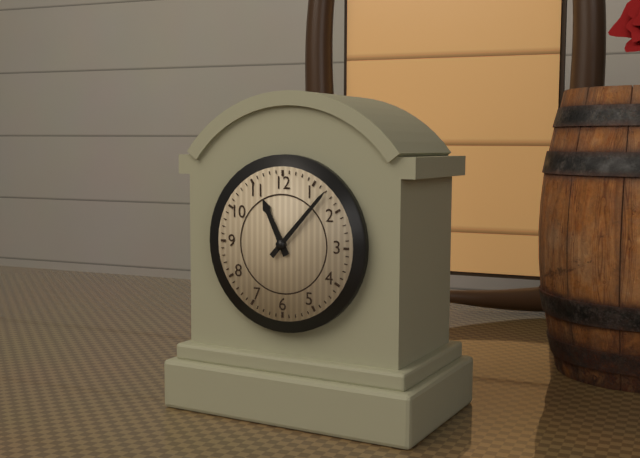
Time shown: **11:07**
